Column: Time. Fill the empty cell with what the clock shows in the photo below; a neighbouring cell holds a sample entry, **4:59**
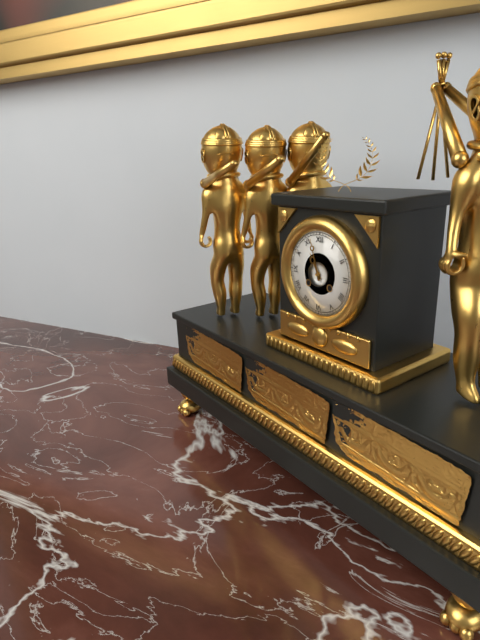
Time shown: **10:57**
